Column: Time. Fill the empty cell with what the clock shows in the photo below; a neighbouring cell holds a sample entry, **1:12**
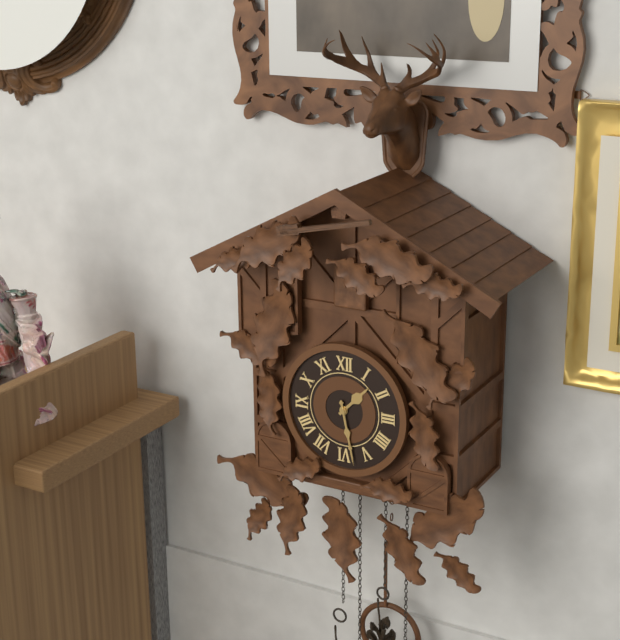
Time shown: **1:28**
